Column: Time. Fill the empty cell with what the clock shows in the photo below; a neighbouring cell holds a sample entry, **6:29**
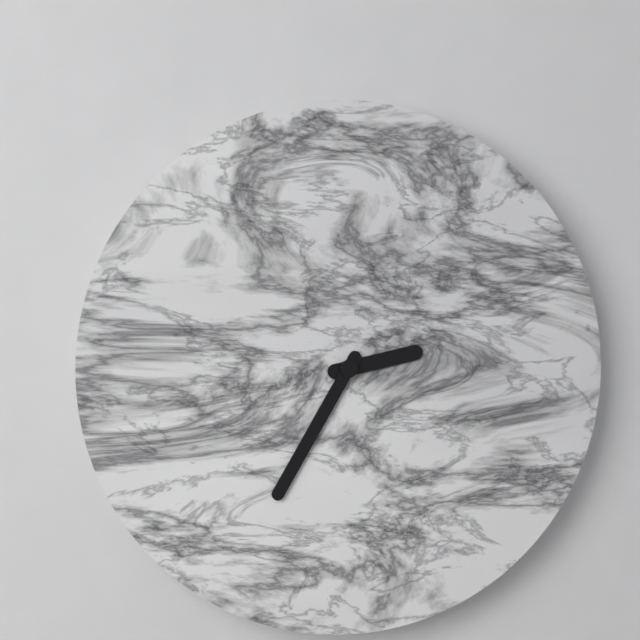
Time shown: **2:35**
